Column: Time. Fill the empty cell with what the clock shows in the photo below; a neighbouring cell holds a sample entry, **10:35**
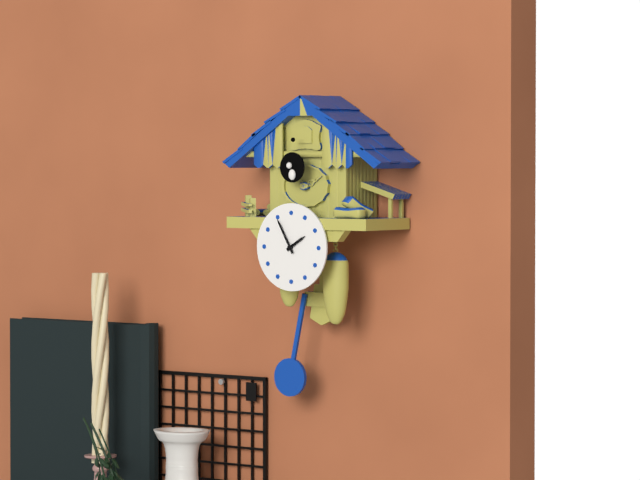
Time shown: **1:55**
